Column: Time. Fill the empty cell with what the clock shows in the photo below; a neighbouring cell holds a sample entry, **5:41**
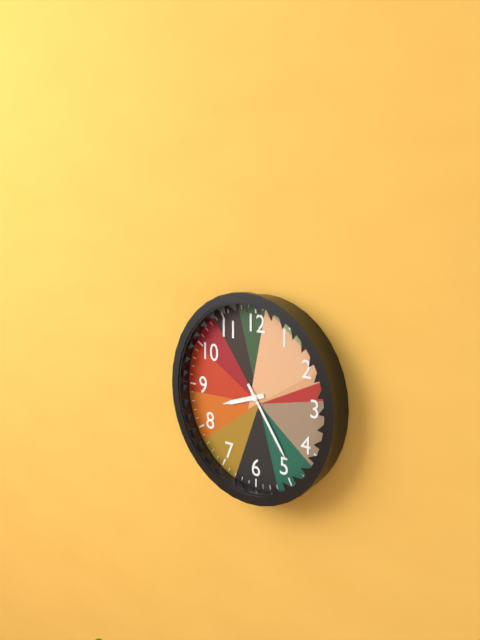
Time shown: **8:24**
